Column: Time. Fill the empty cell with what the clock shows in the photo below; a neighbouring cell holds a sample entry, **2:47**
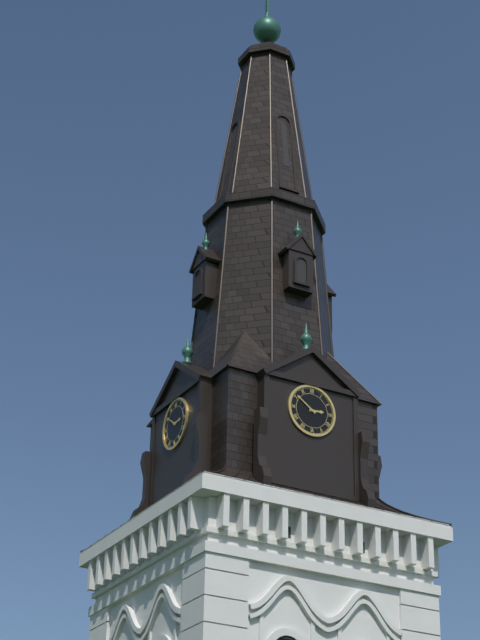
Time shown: **2:51**
